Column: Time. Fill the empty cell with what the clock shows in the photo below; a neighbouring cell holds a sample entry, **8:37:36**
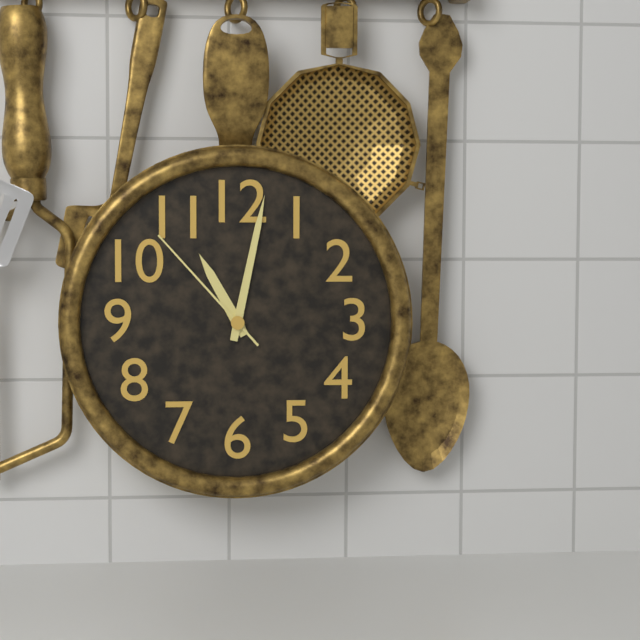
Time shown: **11:02:53**
